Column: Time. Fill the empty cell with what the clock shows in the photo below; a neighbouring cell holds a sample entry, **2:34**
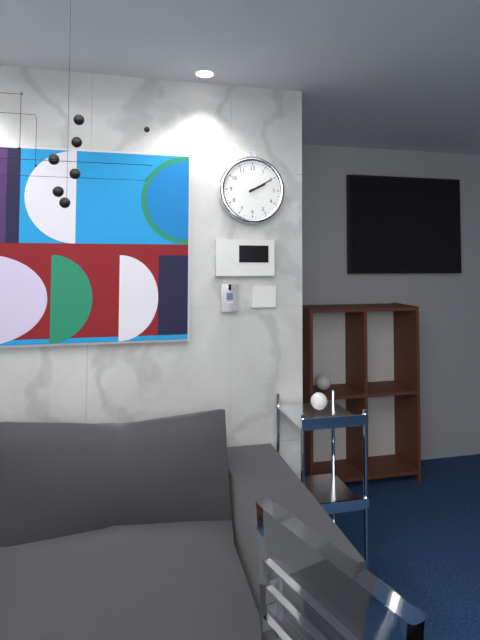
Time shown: **2:10**
